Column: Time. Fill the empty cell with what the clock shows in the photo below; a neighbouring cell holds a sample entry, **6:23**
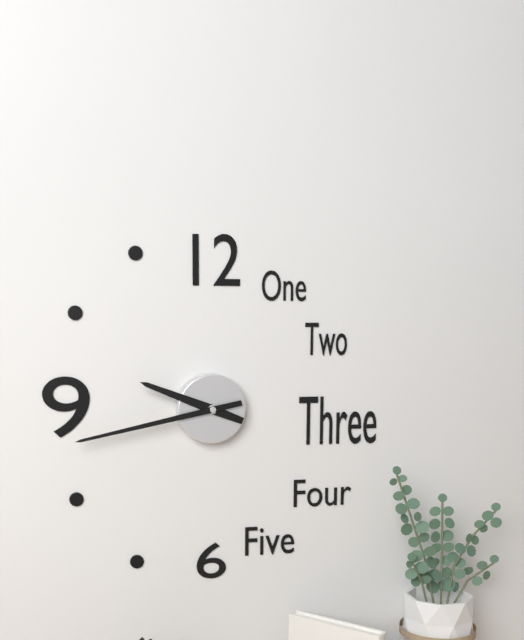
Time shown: **9:43**
